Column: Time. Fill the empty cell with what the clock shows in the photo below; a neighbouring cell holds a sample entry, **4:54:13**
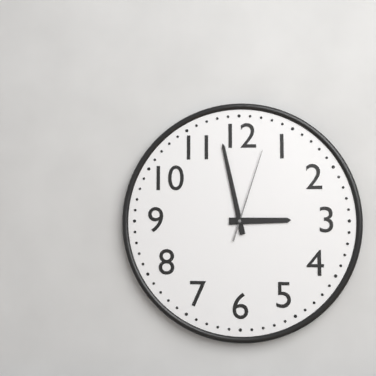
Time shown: **2:58:03**
